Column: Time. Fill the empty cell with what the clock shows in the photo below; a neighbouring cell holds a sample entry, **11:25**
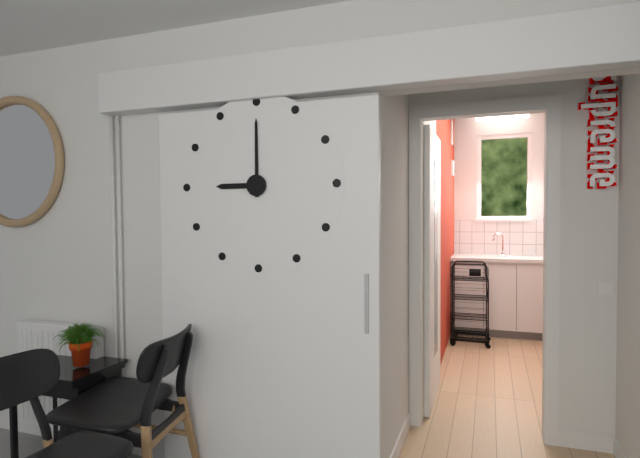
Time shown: **9:00**
